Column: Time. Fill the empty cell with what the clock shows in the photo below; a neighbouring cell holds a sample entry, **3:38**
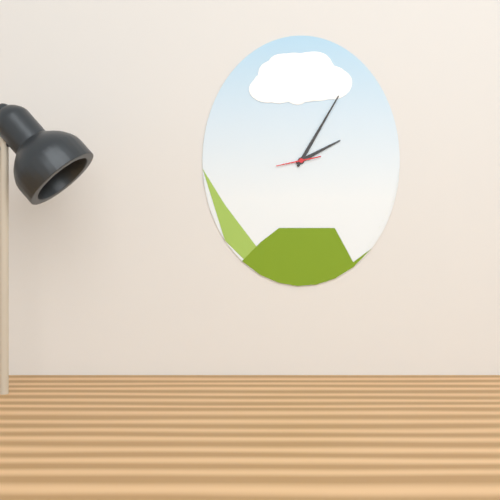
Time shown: **2:05**
